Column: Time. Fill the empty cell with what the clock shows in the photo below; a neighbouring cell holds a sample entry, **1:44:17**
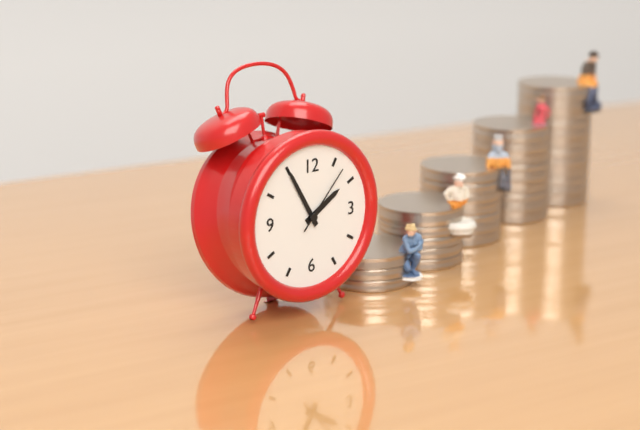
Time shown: **1:55:07**
